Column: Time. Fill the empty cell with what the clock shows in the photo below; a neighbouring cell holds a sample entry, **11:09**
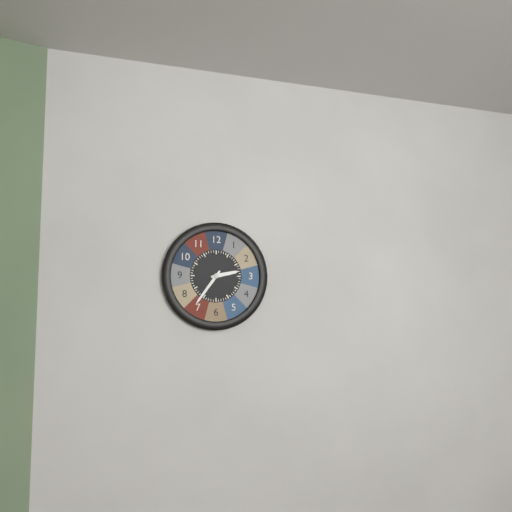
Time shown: **2:36**
